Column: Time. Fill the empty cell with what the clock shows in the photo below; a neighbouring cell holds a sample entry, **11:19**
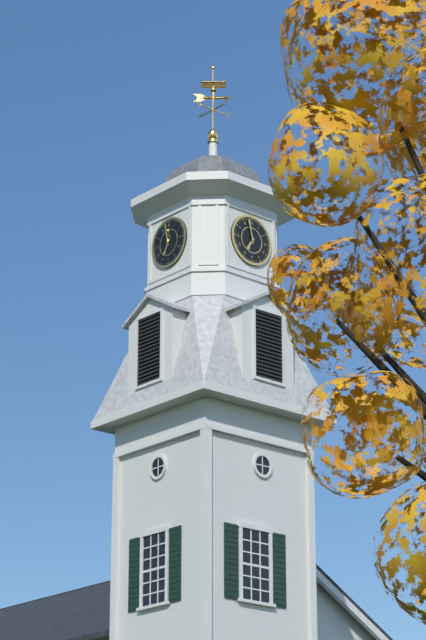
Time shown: **6:58**
